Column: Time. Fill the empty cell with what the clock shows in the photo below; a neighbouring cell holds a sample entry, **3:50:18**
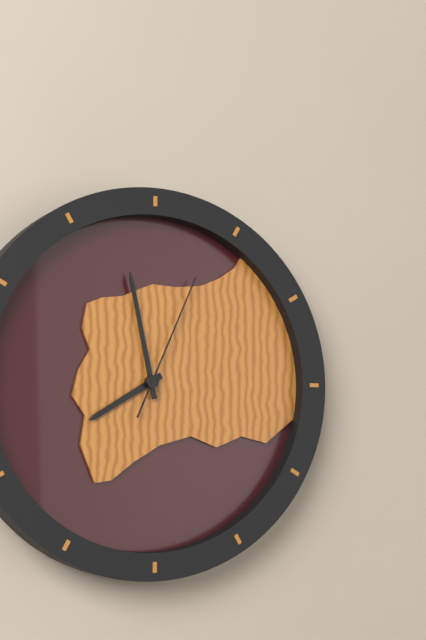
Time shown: **7:58:04**
